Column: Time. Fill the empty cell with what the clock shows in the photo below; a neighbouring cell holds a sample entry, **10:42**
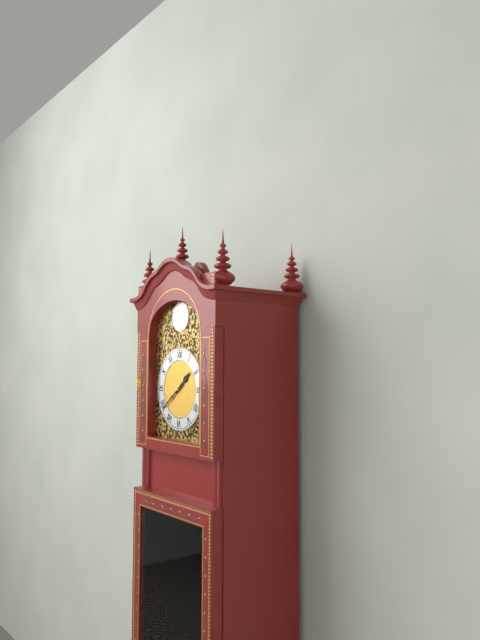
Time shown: **1:39**
